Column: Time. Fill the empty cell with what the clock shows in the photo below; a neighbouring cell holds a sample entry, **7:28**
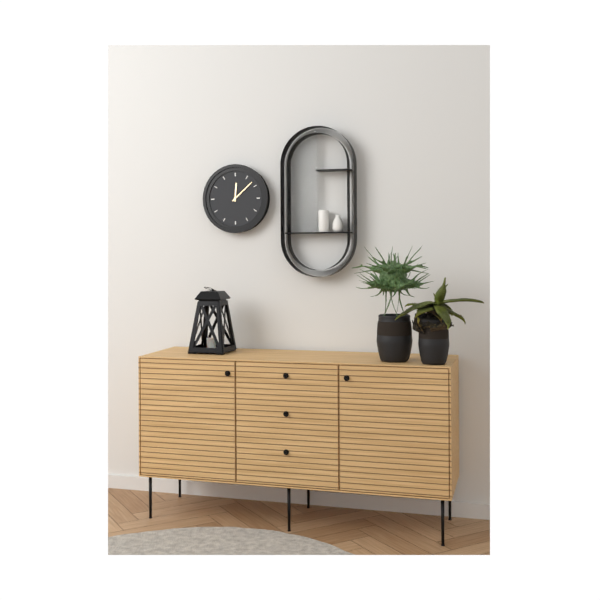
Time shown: **12:08**
